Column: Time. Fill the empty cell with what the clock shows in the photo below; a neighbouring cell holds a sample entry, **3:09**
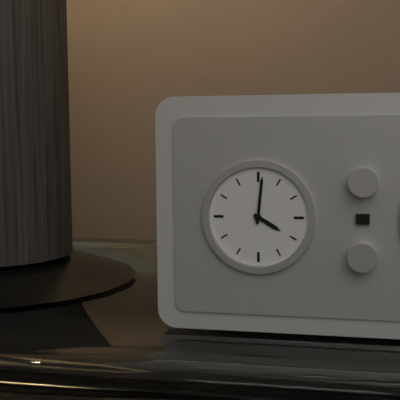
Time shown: **4:01**
